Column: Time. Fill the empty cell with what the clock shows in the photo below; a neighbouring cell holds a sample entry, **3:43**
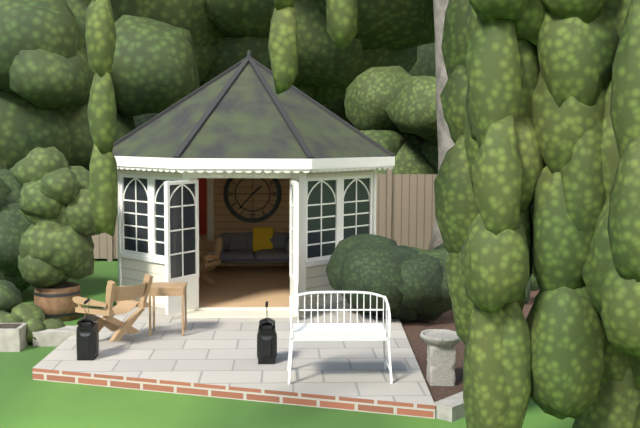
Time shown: **1:37**
